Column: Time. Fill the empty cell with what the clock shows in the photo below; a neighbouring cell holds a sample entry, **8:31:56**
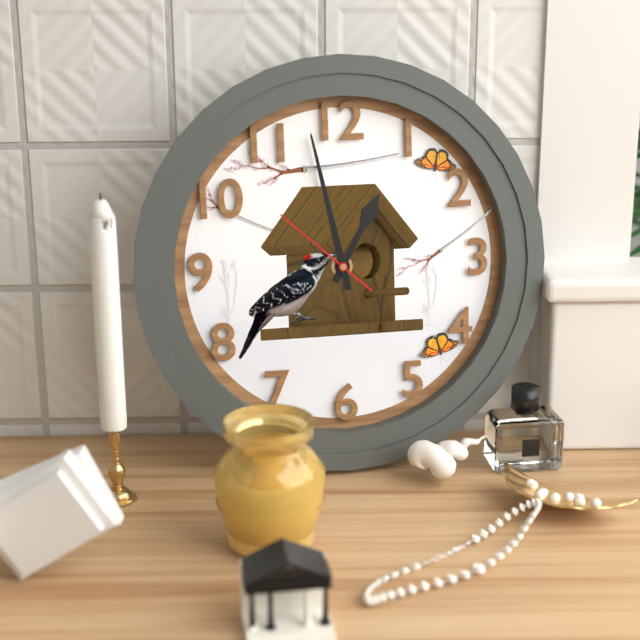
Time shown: **12:58:52**
